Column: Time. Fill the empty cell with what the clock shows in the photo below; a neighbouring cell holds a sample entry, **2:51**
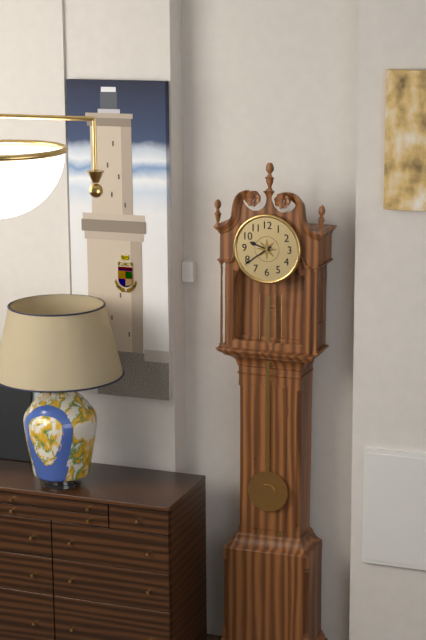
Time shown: **9:39**
